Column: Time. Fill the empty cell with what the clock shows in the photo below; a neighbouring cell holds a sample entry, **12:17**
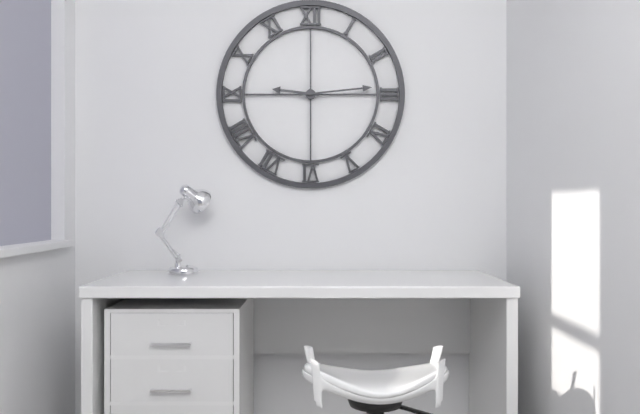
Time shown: **9:14**
